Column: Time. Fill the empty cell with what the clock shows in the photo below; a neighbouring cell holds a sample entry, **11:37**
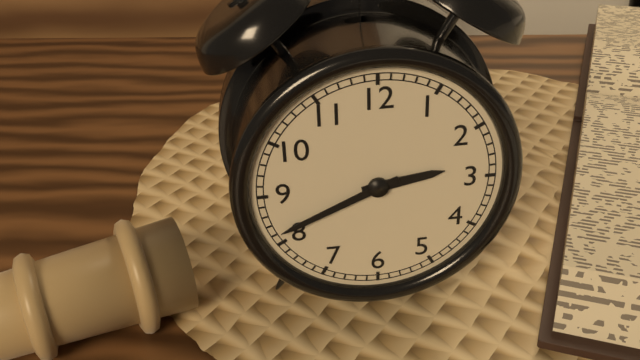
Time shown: **2:41**
